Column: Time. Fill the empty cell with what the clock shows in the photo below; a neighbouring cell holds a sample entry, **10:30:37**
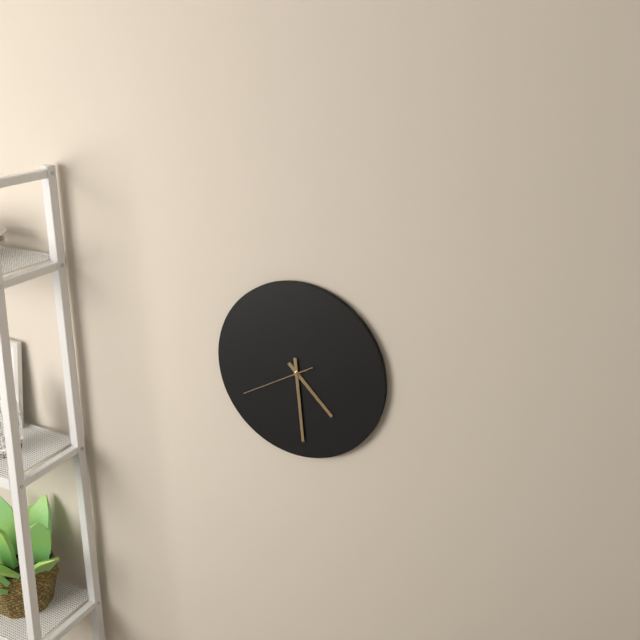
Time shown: **4:29:40**
